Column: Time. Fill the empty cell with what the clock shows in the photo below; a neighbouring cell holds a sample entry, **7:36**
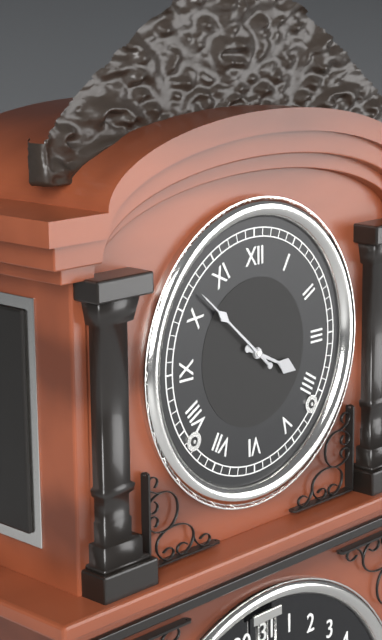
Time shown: **3:52**
